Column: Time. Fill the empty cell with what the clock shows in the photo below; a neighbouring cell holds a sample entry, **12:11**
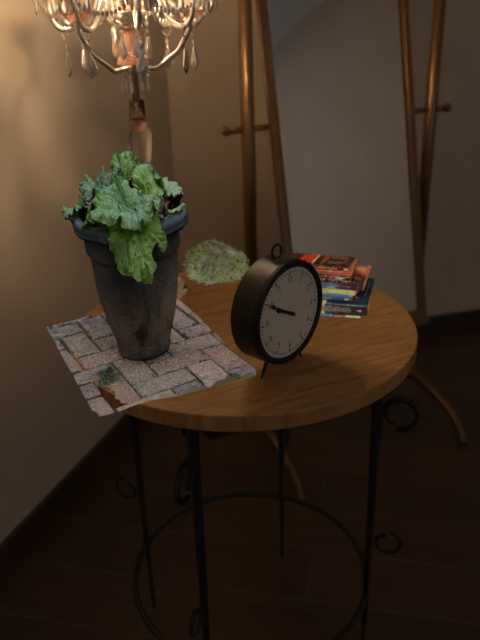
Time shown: **9:50**
